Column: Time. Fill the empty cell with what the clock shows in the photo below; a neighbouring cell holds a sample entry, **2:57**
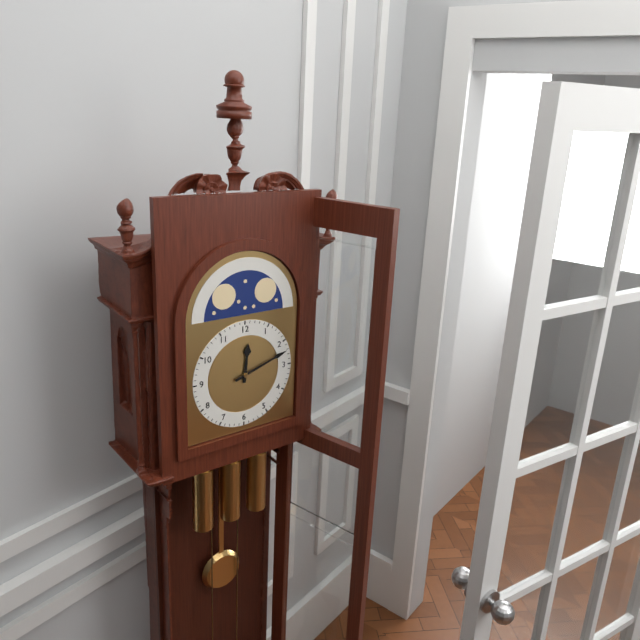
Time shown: **12:12**
